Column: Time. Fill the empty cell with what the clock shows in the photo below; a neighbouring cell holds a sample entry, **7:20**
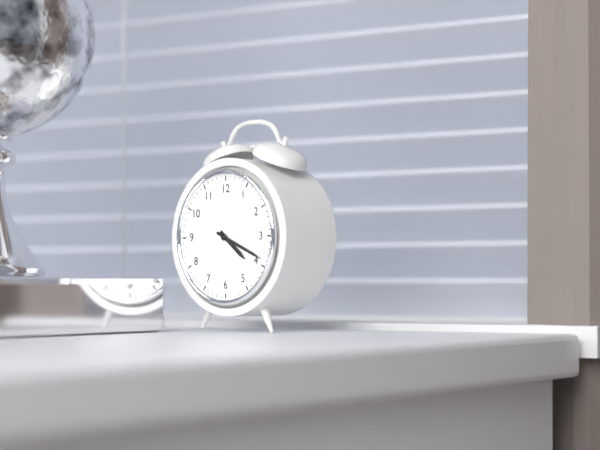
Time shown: **4:19**
